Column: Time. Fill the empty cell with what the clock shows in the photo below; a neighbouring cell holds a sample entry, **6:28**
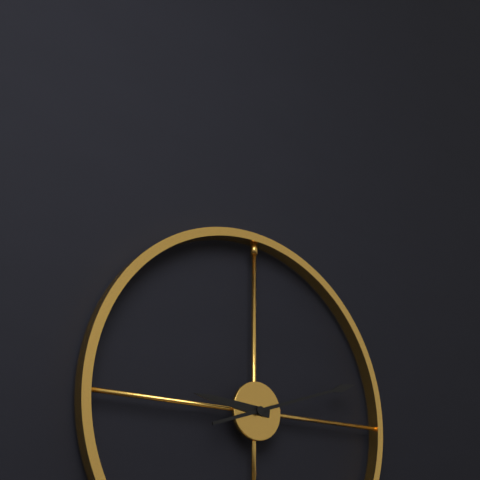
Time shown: **9:12**
